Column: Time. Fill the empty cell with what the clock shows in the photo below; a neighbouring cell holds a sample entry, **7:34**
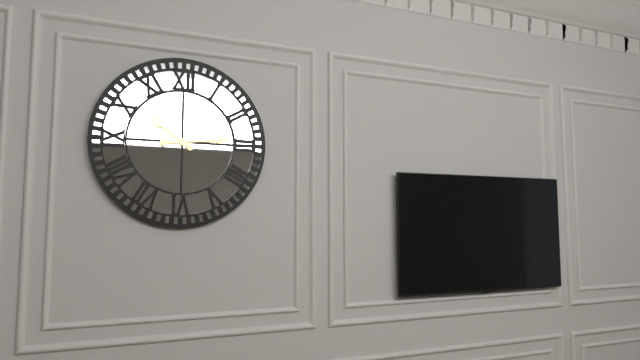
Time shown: **10:14**
